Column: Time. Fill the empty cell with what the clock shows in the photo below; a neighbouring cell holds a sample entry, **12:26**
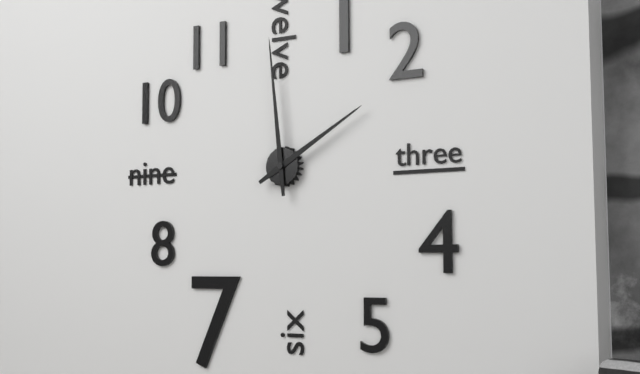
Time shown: **1:59**
